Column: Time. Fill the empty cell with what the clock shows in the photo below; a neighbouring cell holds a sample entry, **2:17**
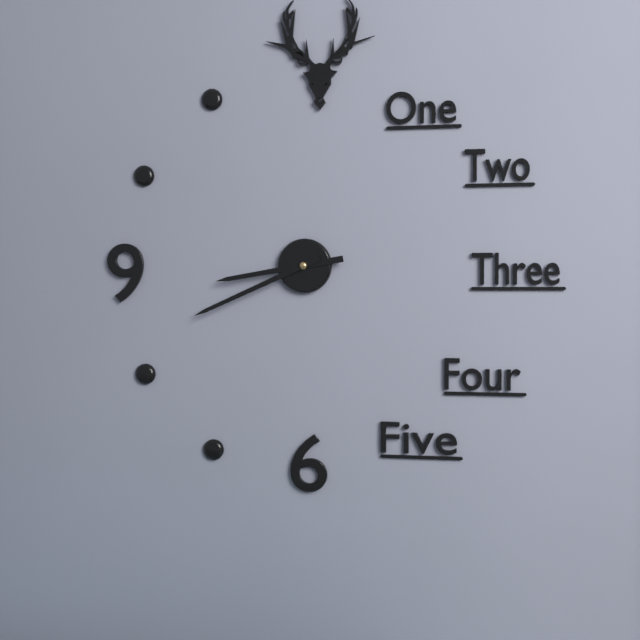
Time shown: **8:41**
